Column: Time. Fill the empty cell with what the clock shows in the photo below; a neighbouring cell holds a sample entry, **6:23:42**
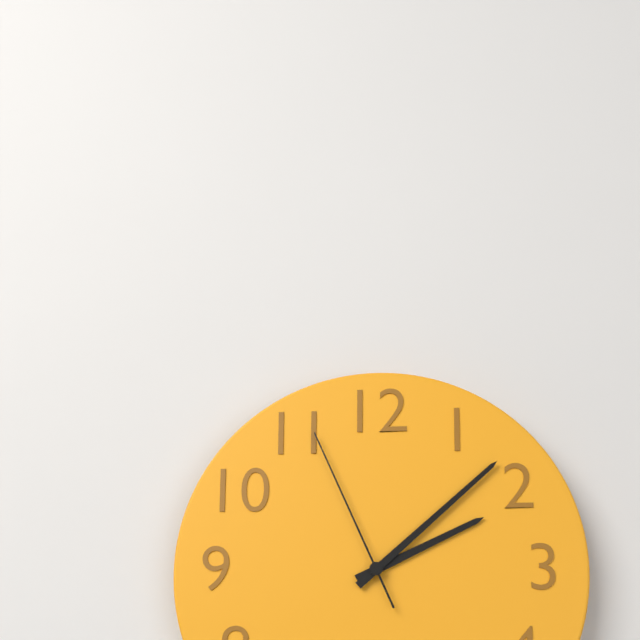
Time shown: **2:08:56**
